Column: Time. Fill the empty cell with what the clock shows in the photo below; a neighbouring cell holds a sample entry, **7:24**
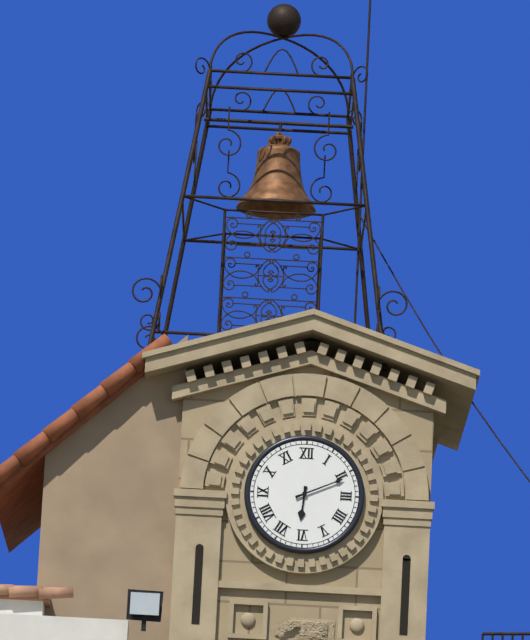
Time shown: **6:11**
